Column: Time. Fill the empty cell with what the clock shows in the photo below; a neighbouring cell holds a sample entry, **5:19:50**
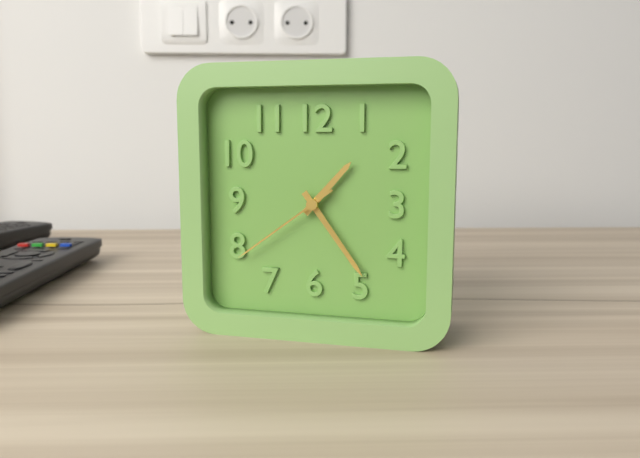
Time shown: **1:24:39**
